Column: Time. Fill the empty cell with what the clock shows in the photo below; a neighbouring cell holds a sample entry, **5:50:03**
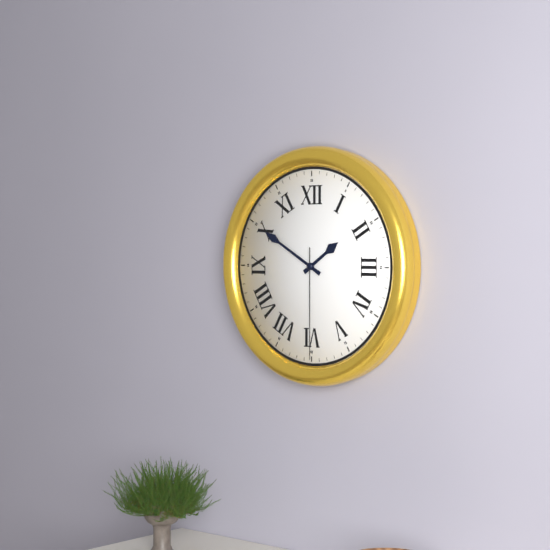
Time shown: **1:50:30**
